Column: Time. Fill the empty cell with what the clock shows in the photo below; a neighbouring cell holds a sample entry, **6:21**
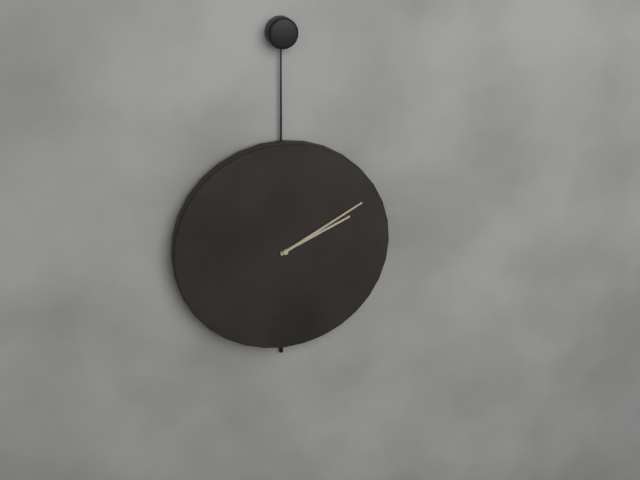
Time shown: **2:10**
